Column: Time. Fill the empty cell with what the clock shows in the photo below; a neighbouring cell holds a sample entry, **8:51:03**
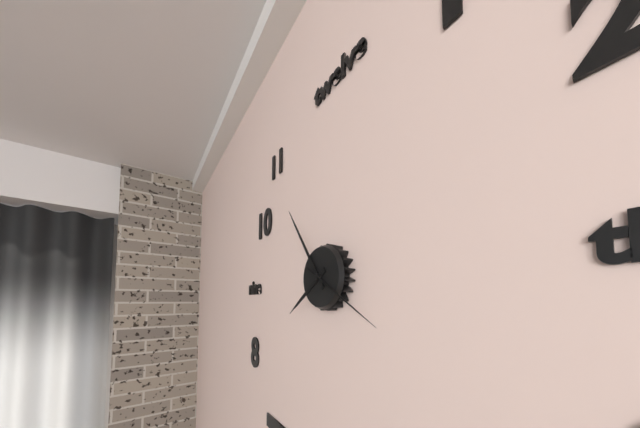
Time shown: **7:54:20**
